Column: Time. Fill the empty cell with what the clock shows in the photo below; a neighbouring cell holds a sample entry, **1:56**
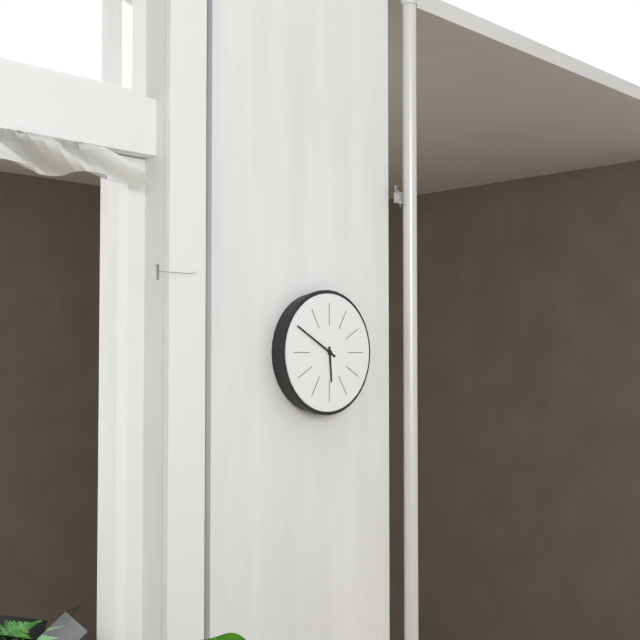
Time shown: **5:50**
